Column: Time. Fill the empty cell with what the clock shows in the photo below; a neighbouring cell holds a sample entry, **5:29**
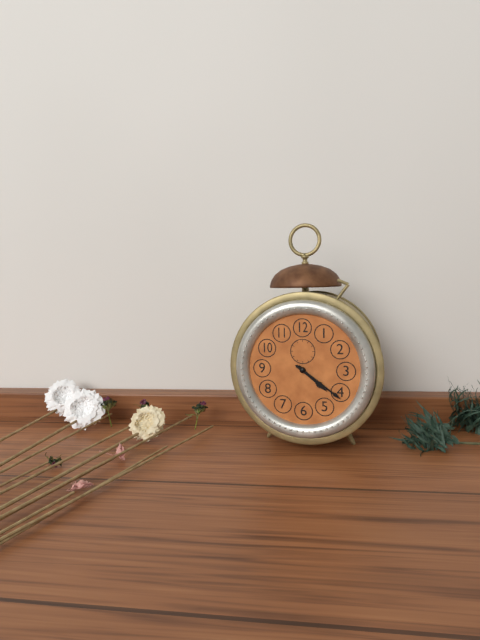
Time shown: **4:21**
